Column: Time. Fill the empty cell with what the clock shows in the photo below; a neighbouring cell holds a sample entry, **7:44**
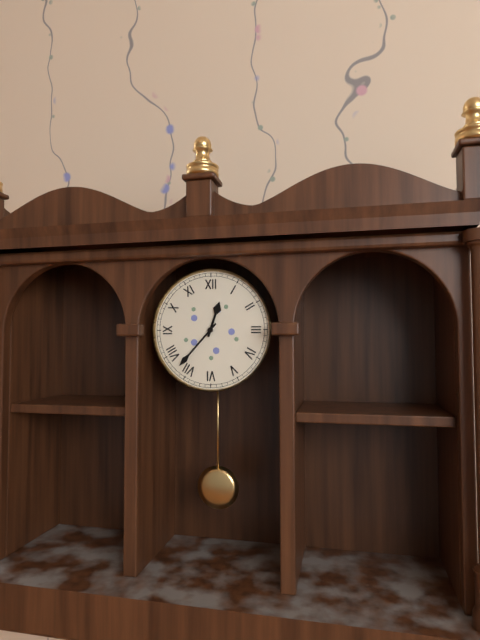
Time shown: **12:37**
